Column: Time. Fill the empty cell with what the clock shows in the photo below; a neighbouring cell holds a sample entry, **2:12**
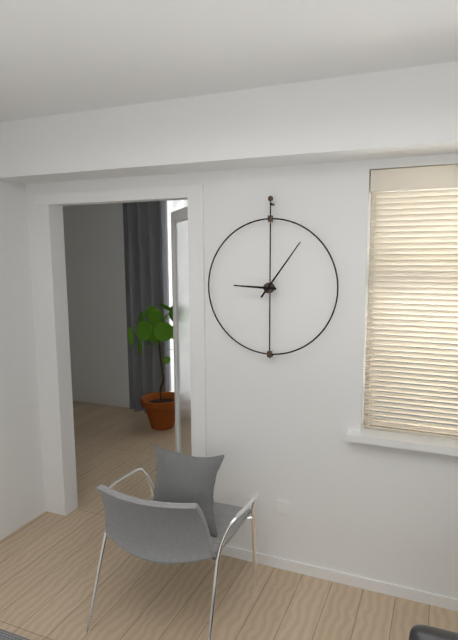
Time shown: **9:06**
